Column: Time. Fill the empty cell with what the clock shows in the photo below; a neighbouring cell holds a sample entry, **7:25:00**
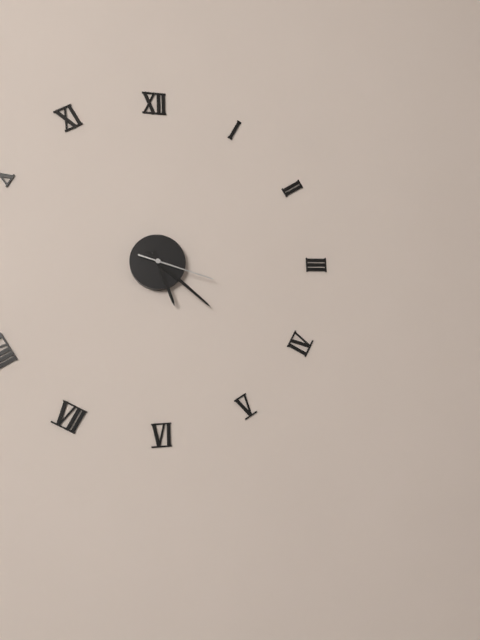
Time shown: **5:22:18**
